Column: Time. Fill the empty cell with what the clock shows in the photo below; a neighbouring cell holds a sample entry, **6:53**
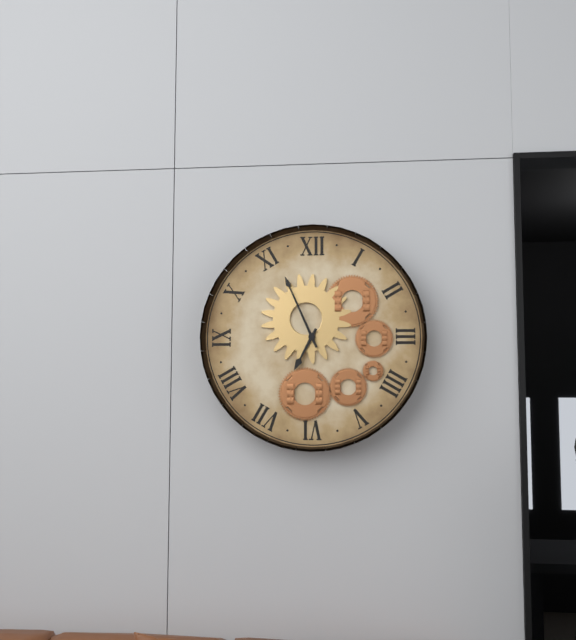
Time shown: **6:56**
